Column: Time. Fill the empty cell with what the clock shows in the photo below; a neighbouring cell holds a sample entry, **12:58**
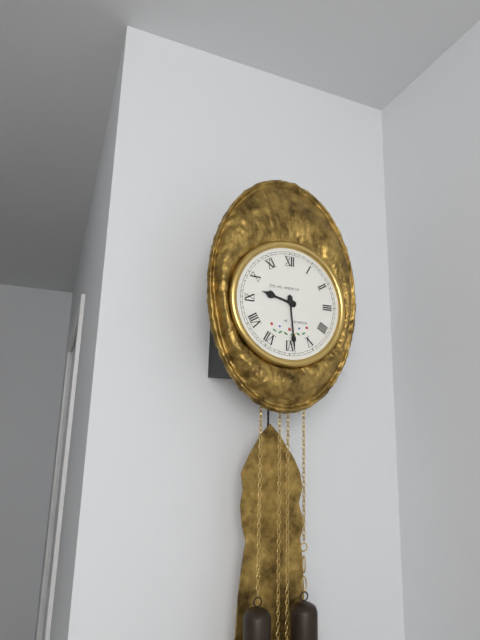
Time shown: **9:29**
